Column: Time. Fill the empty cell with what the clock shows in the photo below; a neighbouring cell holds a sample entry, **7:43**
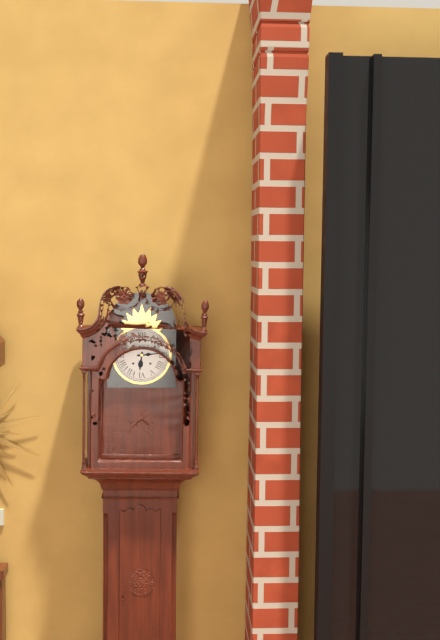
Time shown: **6:14**
